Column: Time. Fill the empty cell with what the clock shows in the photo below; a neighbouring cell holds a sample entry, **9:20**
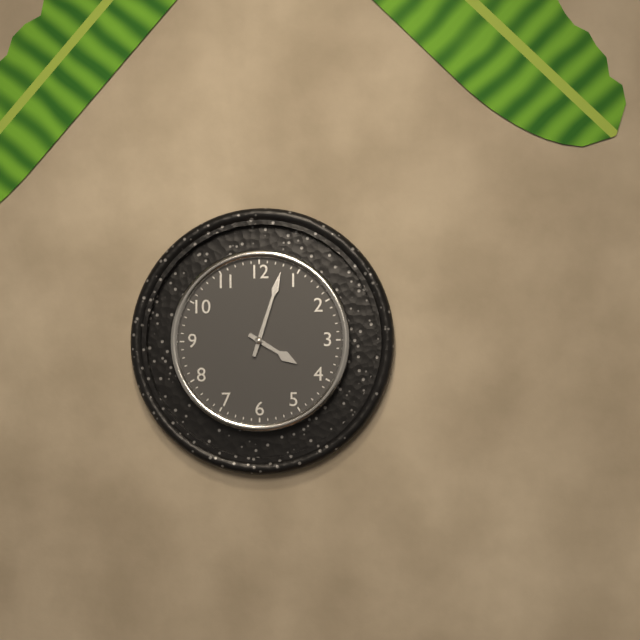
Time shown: **4:03**
